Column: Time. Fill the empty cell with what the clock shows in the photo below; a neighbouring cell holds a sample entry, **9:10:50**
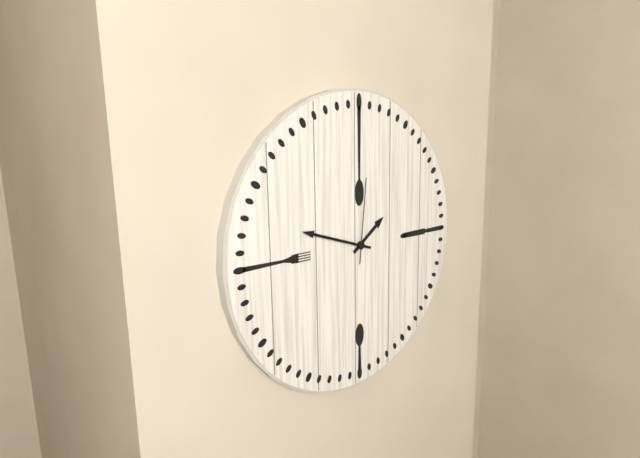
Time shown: **1:48:01**
